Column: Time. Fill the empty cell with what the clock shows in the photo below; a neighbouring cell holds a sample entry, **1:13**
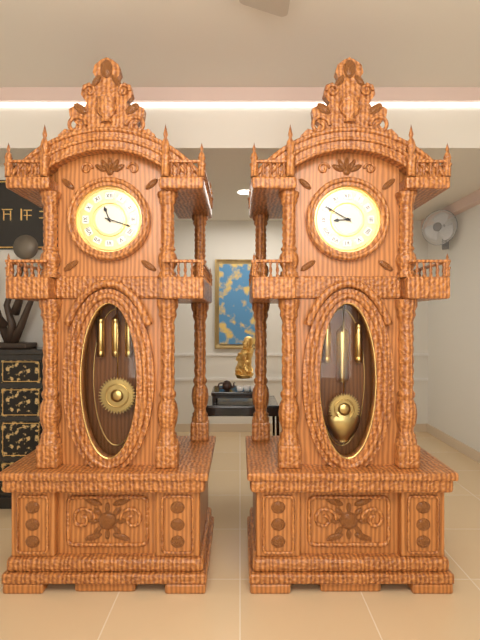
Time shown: **11:18**
